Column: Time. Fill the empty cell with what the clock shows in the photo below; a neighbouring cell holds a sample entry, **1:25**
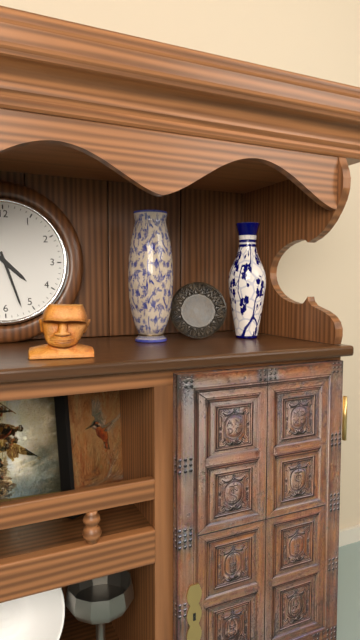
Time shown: **4:27**
